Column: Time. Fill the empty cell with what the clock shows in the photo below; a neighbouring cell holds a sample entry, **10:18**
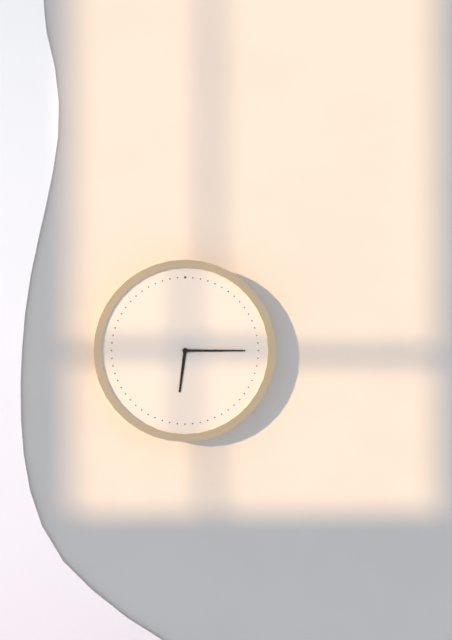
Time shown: **6:15**
